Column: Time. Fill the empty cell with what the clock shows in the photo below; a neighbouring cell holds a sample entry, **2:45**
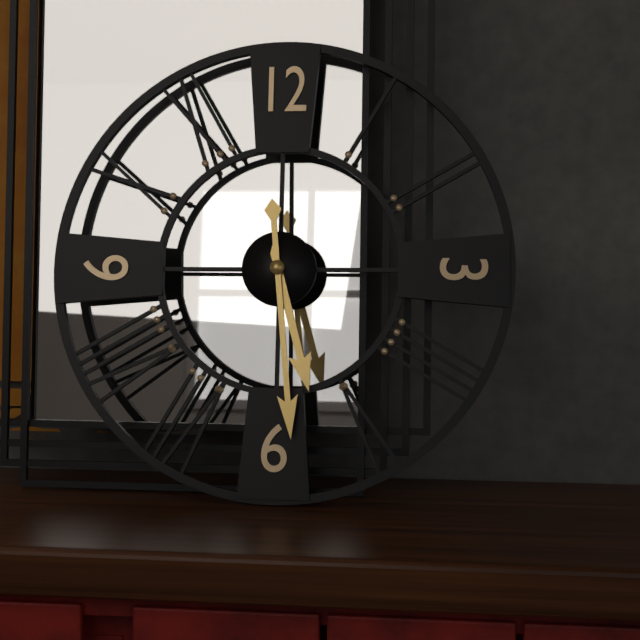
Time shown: **5:29**
